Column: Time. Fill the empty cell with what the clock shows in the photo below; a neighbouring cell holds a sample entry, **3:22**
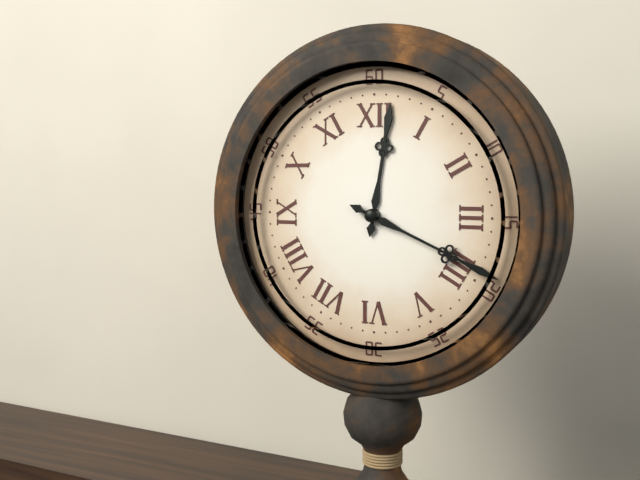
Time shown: **12:19**
